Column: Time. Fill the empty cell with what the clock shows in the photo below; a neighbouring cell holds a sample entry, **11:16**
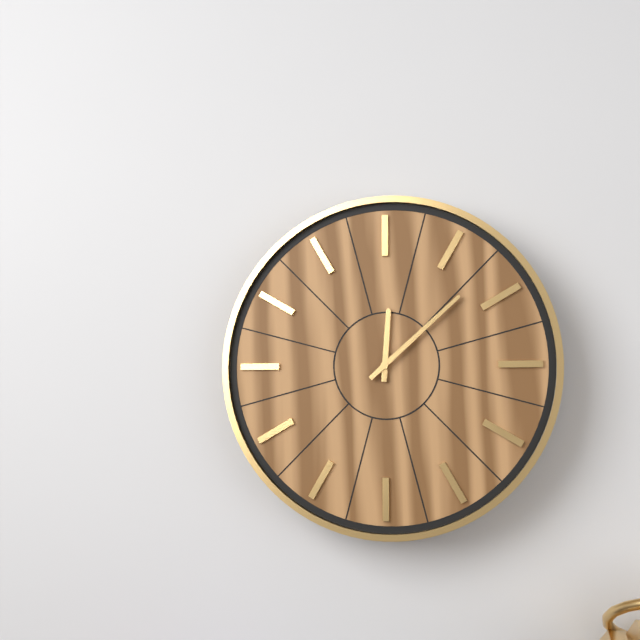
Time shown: **12:08**
